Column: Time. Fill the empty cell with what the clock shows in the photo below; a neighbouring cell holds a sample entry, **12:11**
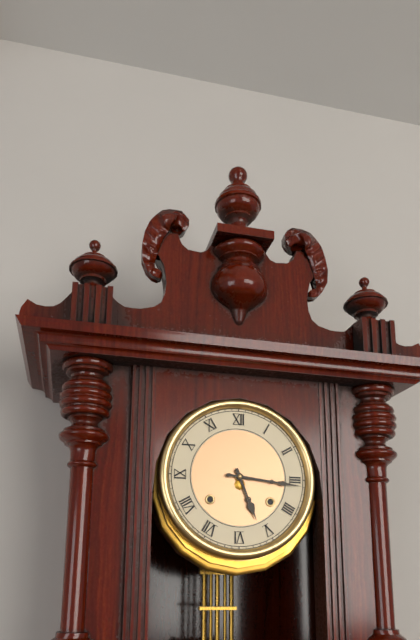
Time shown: **5:16**
